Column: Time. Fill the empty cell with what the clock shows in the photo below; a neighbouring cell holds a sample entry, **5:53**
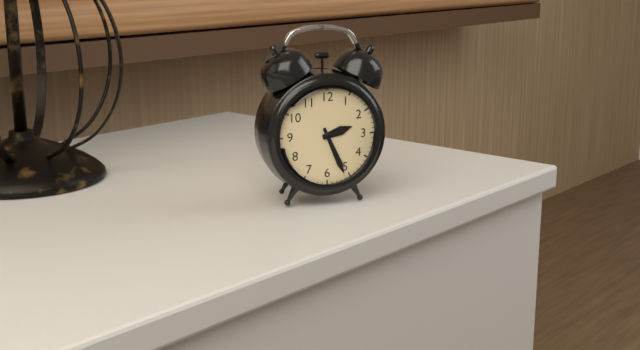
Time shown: **2:26**
